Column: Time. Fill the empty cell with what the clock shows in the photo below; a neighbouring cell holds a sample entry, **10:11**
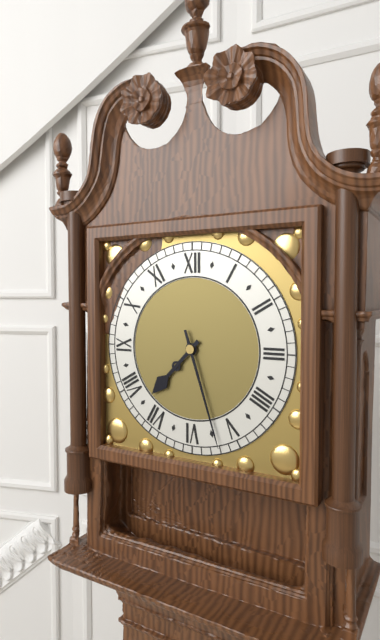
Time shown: **7:27**
